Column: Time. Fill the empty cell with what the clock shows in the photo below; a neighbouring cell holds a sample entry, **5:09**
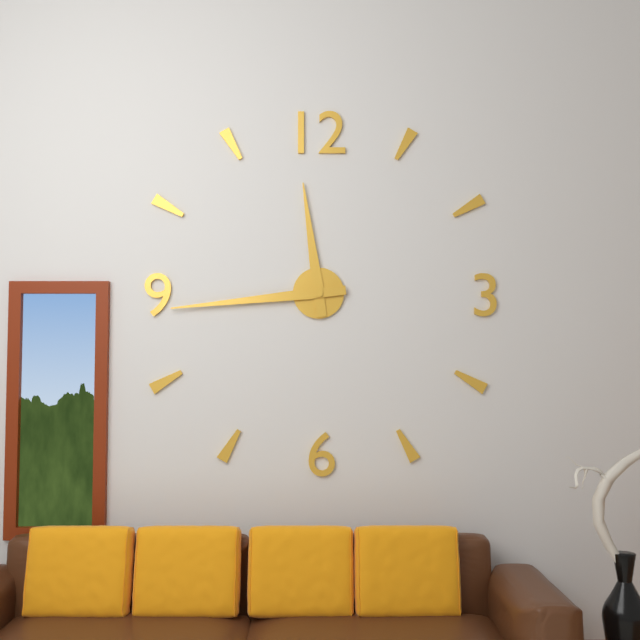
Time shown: **11:44**
